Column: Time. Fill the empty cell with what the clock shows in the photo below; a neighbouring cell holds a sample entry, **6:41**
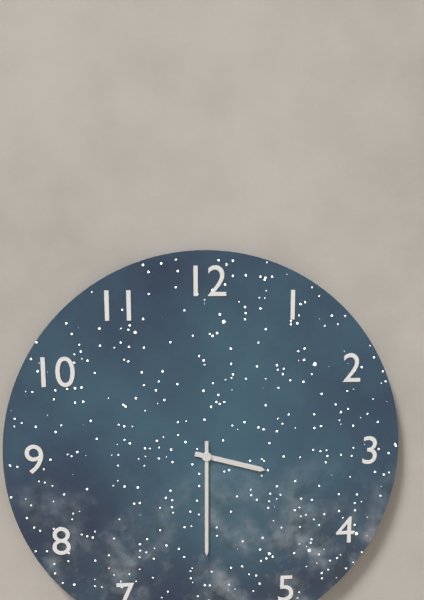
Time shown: **3:30**
